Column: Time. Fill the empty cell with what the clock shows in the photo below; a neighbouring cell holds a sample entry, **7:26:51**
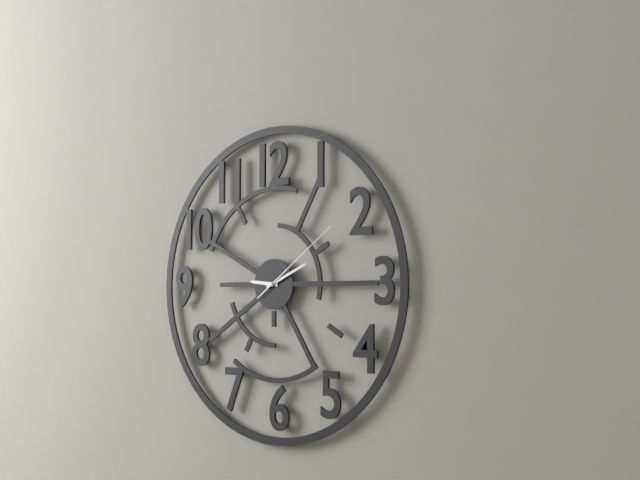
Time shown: **9:11:09**
